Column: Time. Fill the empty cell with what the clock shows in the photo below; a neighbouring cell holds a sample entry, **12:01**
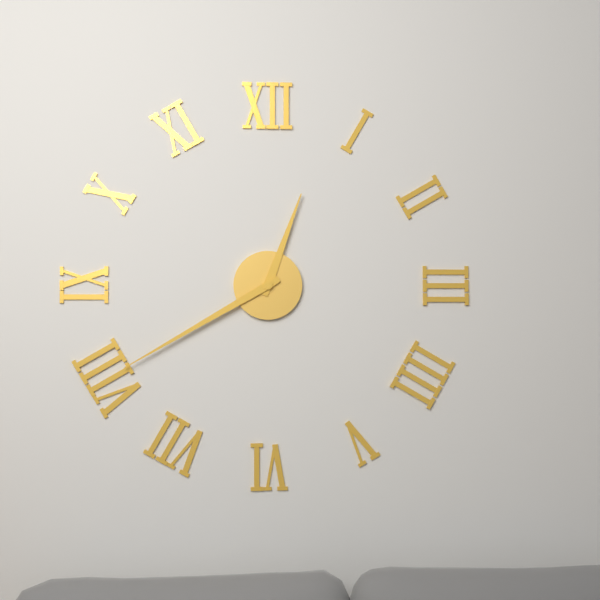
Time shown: **12:40**
